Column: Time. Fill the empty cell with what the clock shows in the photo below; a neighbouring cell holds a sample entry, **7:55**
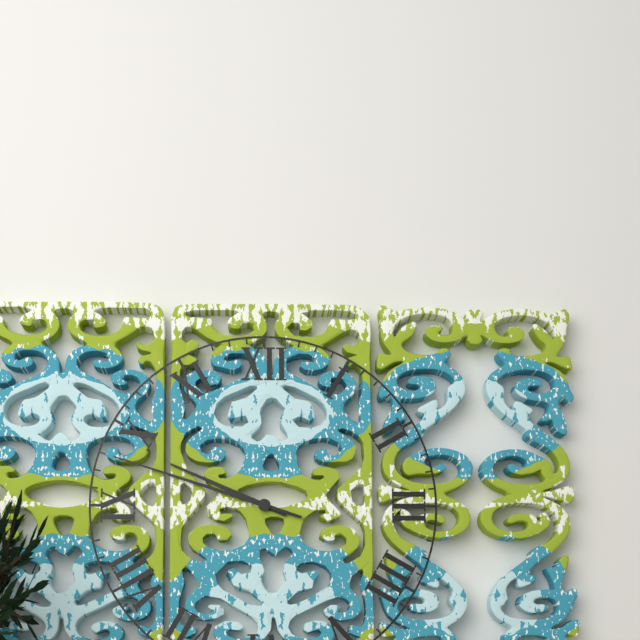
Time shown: **9:48**
